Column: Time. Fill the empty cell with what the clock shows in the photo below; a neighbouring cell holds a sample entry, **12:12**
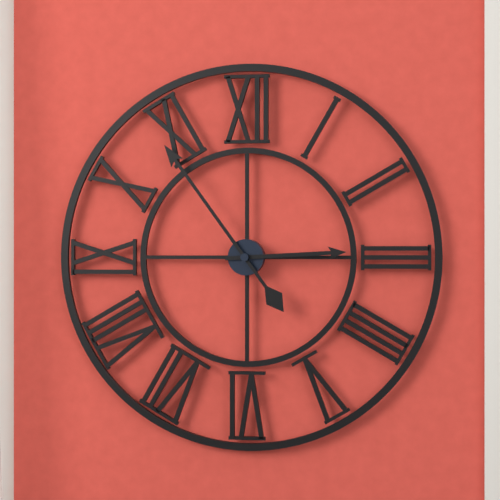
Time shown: **2:54**
